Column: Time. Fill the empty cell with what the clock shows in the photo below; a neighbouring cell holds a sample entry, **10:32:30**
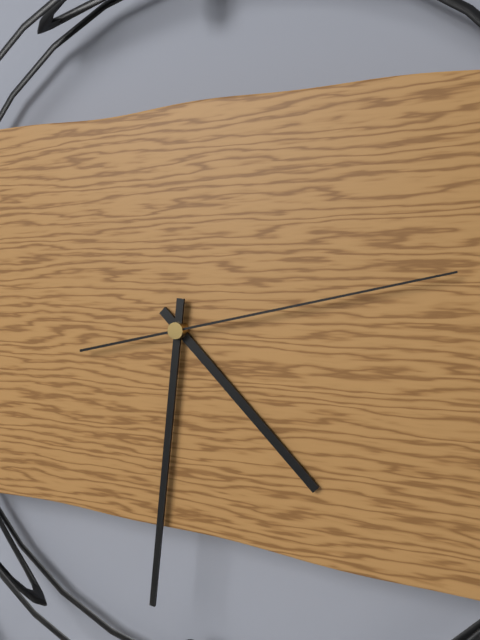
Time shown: **4:31:13**
